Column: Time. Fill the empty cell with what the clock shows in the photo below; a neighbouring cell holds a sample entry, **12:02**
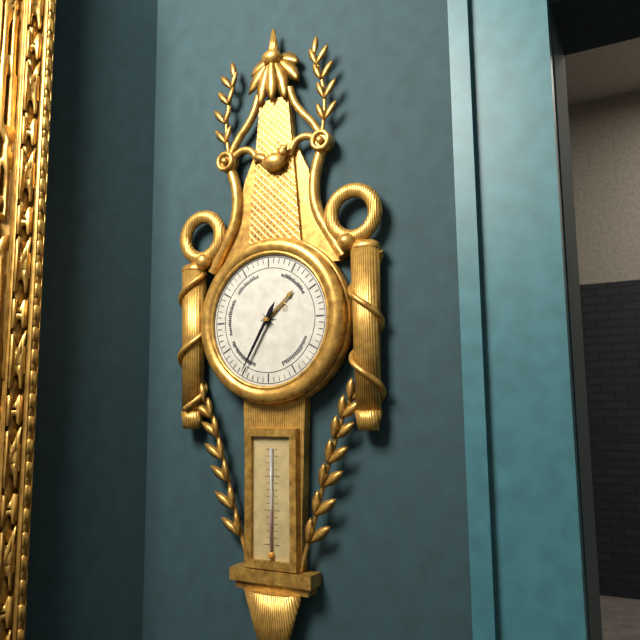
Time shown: **1:35**
